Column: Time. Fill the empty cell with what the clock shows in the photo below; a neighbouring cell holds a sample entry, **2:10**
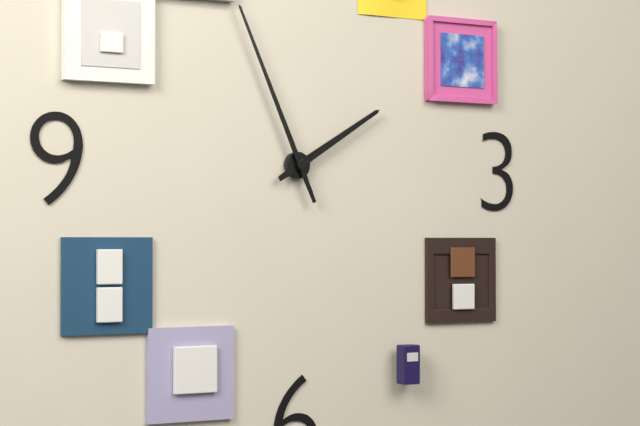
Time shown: **1:56**
